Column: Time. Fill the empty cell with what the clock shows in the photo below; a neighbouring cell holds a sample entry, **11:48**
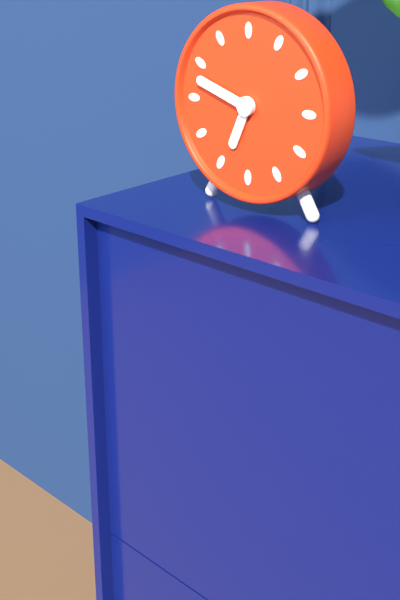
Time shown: **6:48**
